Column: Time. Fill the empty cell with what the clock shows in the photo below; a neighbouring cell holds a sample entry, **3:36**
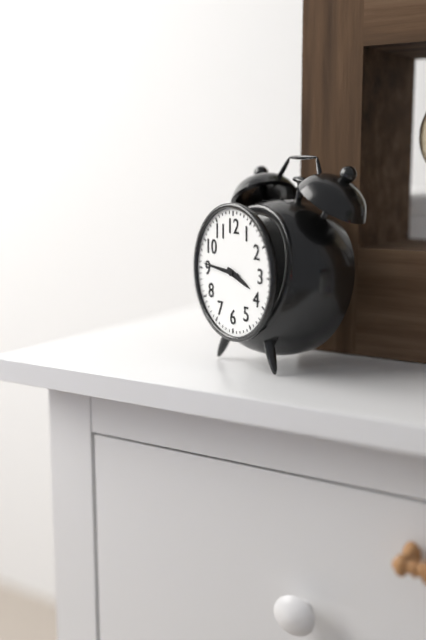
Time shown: **3:46**
